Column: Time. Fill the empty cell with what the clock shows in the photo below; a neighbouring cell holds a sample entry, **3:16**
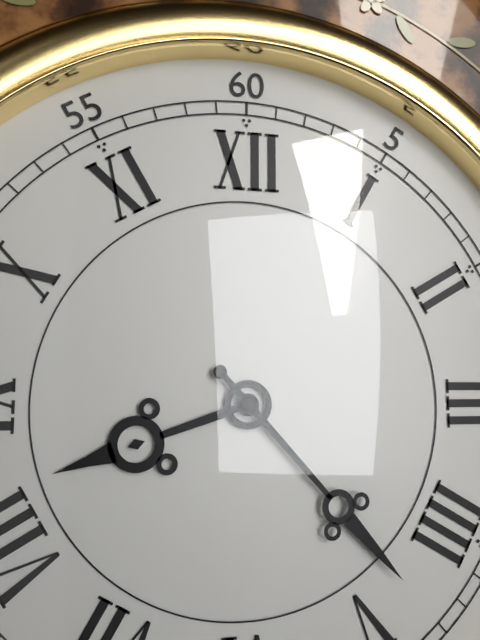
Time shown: **8:23**
